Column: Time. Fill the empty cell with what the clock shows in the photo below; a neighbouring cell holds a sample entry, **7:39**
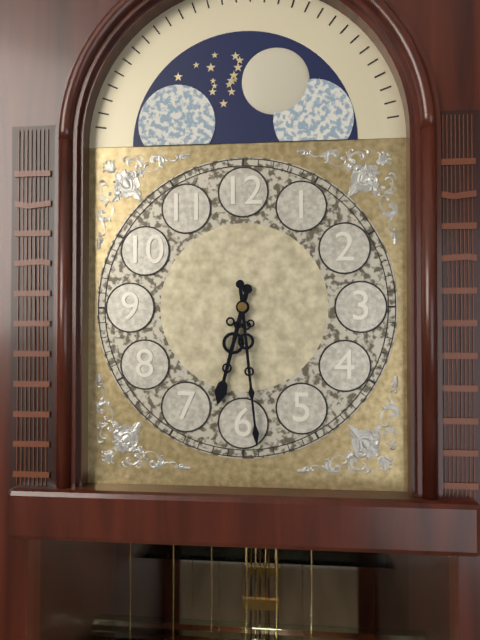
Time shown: **6:29**
